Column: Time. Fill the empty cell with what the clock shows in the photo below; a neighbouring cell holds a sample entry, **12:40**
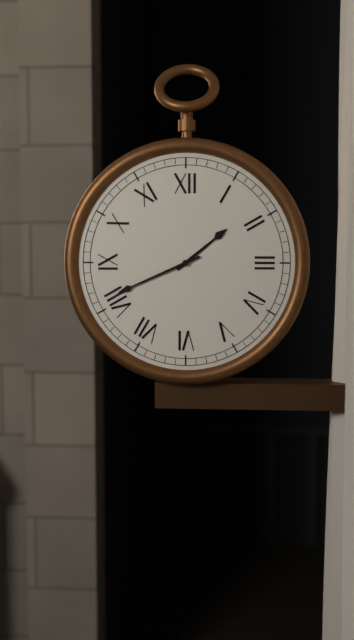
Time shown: **1:41**
